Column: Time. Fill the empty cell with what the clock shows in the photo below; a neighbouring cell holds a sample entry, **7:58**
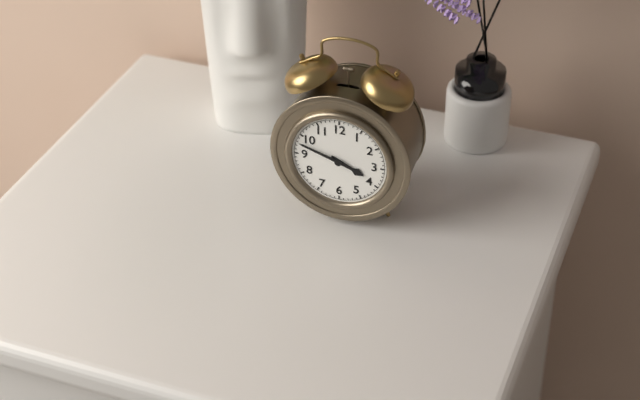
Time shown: **3:48**
